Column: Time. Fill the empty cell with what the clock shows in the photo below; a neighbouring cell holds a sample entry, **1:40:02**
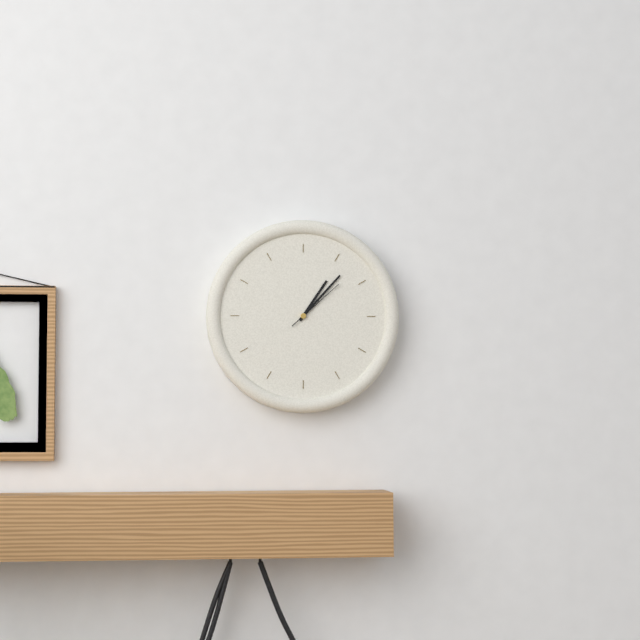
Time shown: **1:07:08**
